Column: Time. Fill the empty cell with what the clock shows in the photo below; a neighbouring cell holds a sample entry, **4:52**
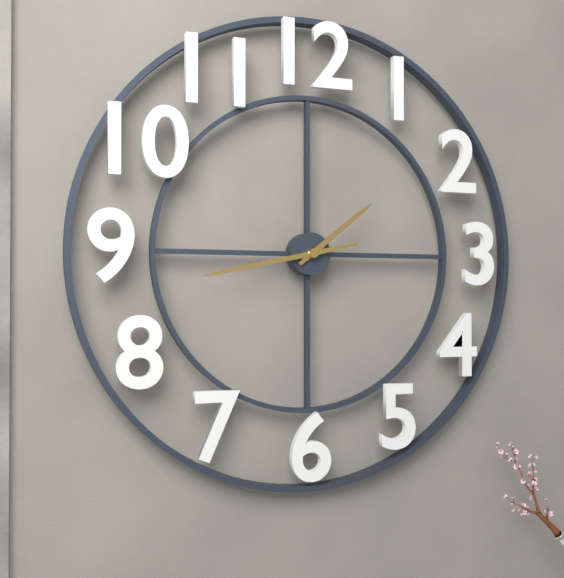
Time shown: **1:43**
